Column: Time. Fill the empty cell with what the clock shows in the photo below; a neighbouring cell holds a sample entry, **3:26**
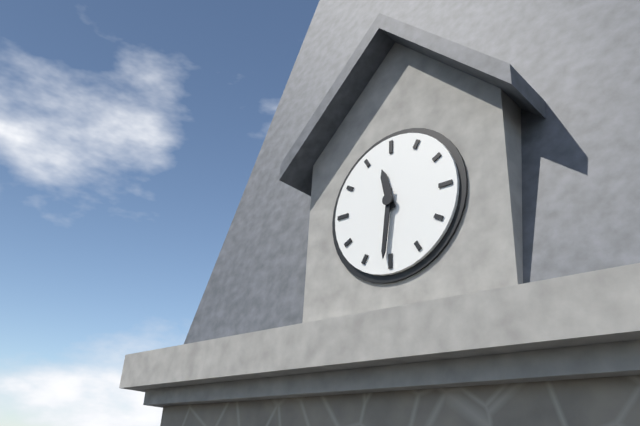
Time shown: **11:31**
